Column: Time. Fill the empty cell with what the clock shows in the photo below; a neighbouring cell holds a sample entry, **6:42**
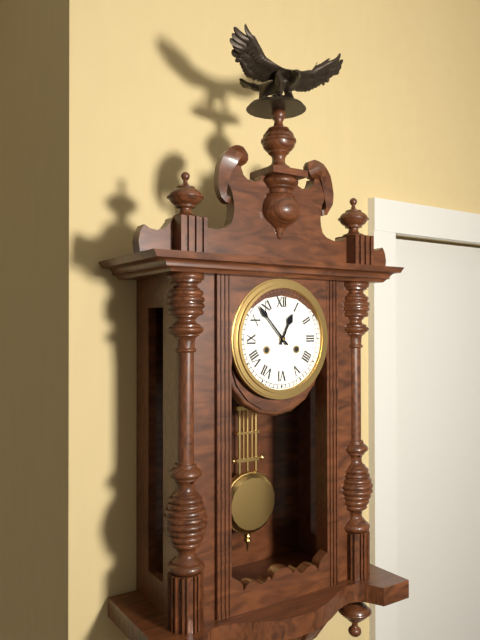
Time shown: **12:53**
